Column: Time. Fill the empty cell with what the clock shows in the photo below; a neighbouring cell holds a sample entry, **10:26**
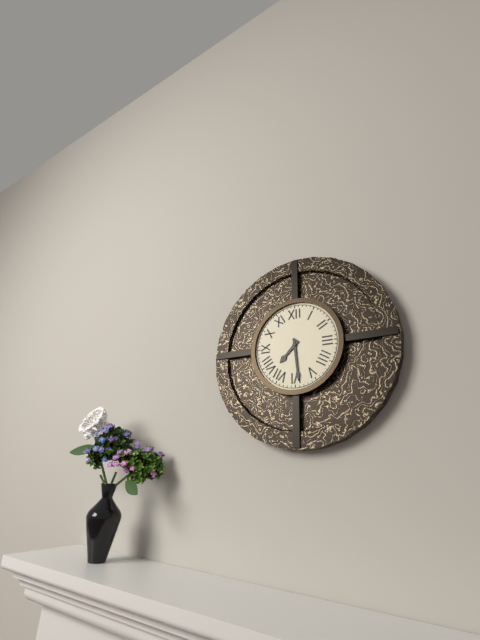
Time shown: **7:29**
